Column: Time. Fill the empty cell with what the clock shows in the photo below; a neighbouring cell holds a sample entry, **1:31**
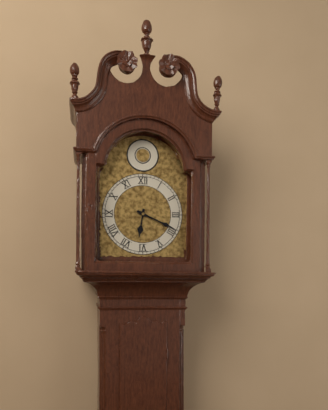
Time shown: **6:19**
